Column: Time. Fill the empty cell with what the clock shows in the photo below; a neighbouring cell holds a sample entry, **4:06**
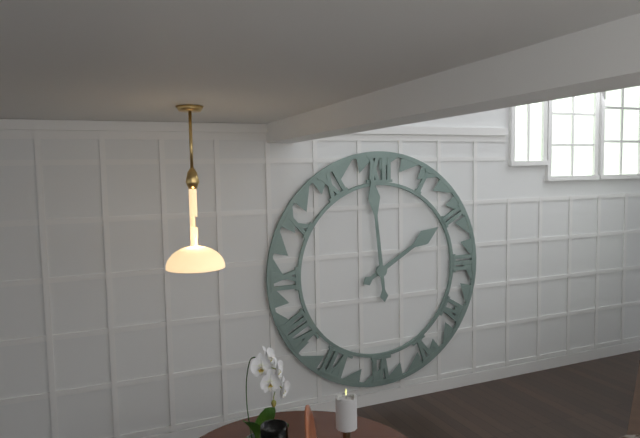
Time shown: **1:59**
